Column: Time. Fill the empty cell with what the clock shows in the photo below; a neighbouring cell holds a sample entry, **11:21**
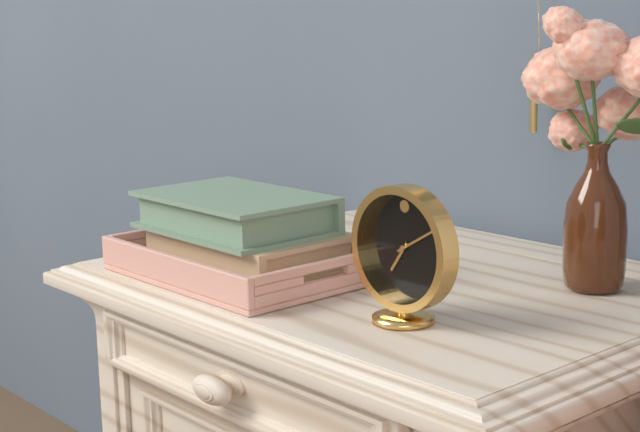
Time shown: **7:10**
